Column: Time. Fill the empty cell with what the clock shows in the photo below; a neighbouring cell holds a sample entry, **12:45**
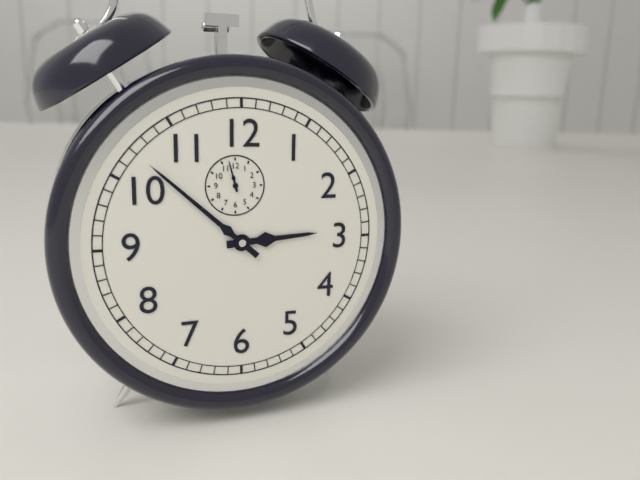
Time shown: **2:52**
